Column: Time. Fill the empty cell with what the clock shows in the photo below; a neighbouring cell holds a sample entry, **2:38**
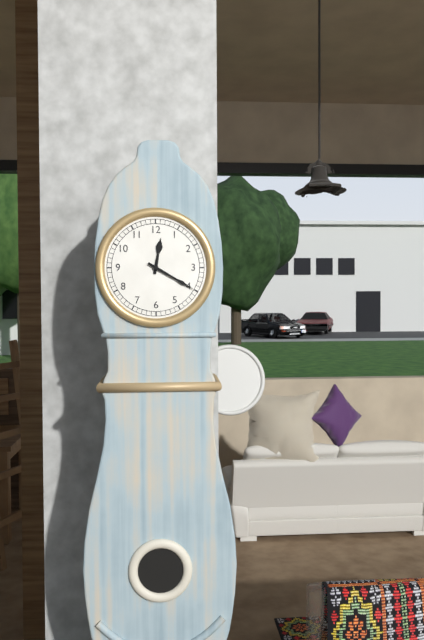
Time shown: **12:20**
